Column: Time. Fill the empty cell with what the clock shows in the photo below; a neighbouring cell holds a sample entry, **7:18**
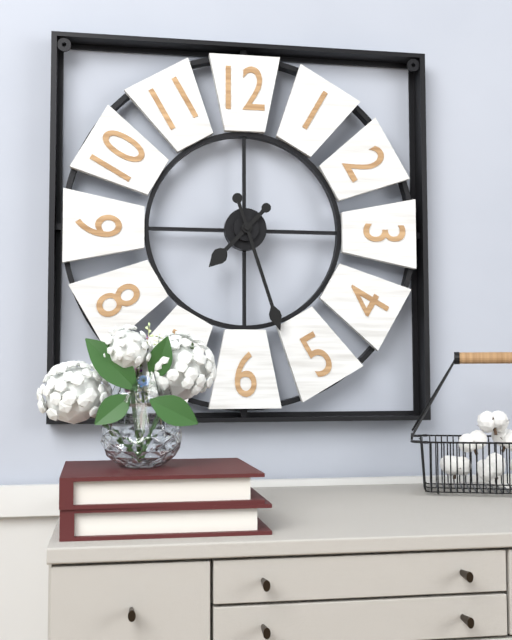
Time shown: **7:27**
